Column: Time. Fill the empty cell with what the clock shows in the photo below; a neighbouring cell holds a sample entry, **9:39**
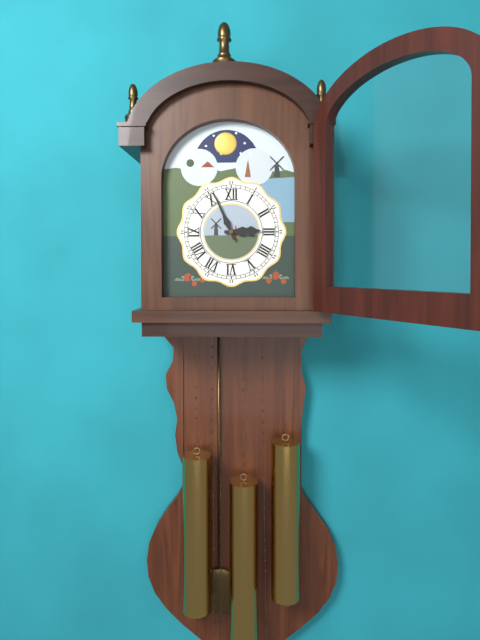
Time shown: **2:56**
